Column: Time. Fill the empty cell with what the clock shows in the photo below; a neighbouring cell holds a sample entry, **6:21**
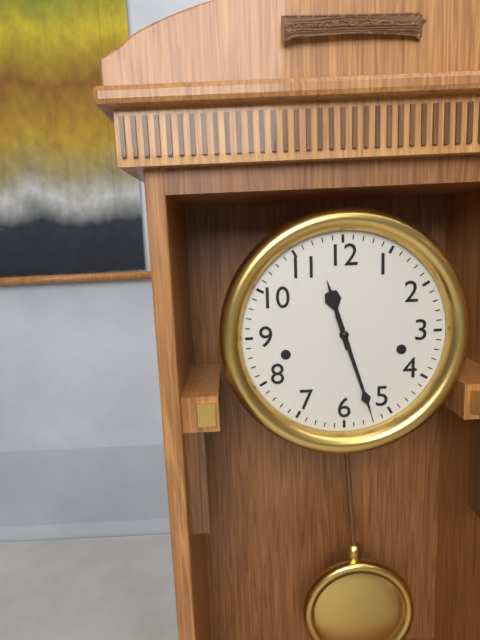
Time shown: **11:27**
